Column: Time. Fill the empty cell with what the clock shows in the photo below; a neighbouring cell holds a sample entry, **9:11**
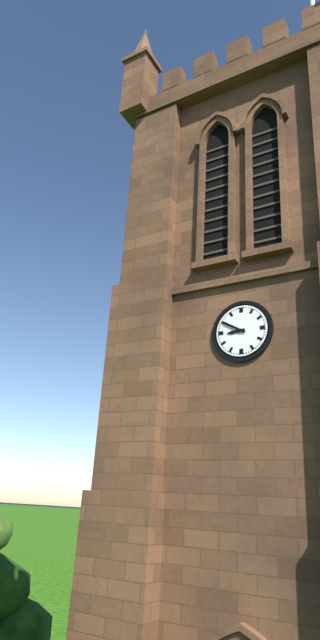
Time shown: **8:50**
